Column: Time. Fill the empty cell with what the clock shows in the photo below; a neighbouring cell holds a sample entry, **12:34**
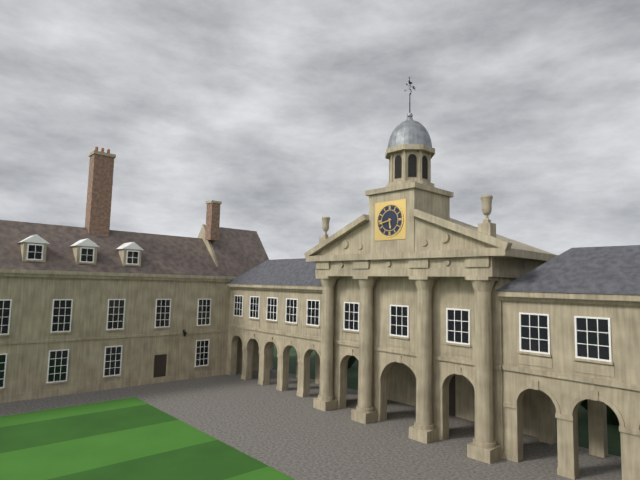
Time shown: **5:43**
